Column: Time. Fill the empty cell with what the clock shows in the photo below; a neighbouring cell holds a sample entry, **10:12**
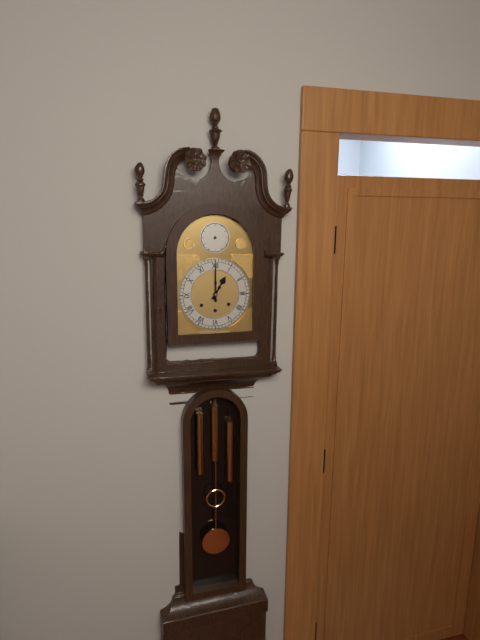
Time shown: **1:00**
